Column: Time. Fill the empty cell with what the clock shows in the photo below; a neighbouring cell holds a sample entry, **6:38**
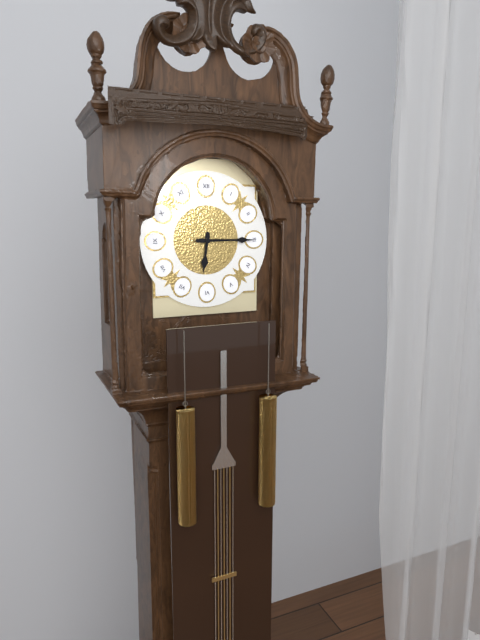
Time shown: **6:15**
